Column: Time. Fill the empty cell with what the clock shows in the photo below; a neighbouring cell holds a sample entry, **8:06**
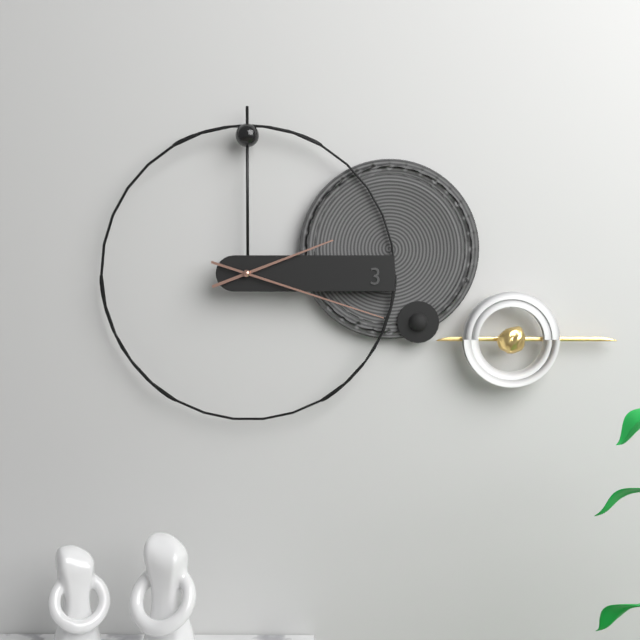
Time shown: **2:18**
